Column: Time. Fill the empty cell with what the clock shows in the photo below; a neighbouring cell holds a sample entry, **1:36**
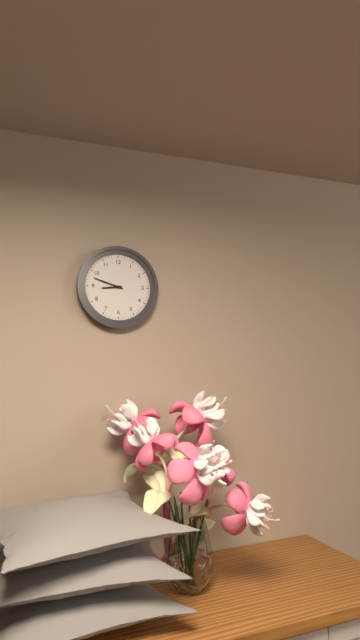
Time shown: **8:48**
